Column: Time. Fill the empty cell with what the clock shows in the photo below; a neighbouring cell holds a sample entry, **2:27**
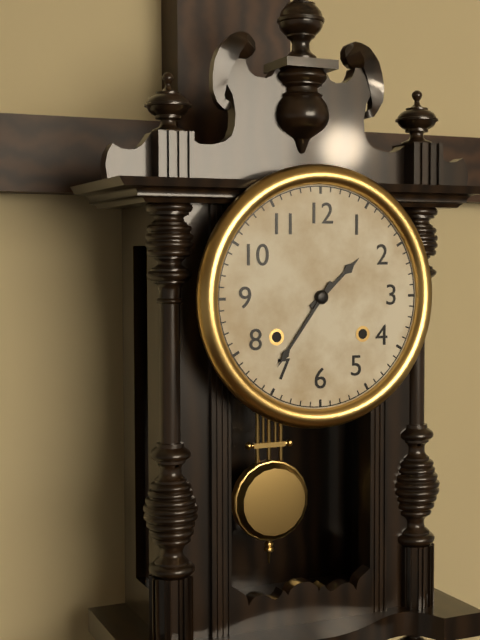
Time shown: **1:36**
